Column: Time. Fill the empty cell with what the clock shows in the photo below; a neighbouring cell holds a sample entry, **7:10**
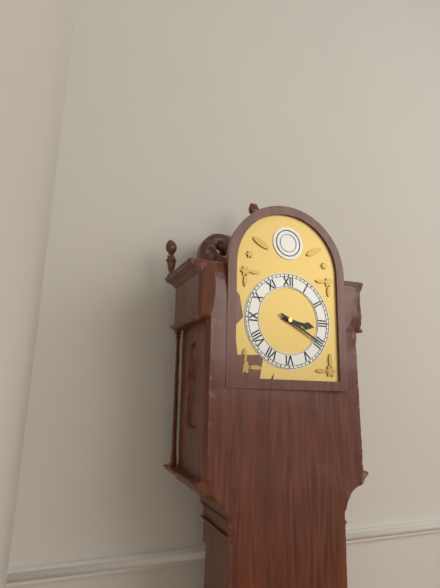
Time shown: **3:20**
